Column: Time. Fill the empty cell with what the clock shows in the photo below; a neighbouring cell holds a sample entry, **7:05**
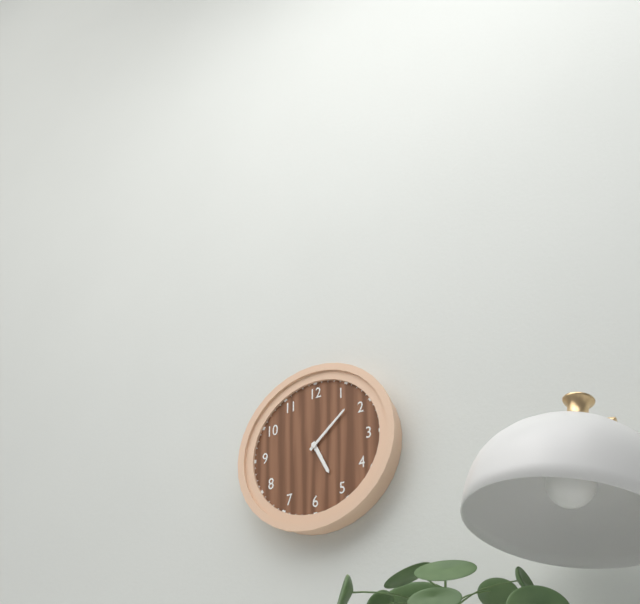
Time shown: **5:08**
